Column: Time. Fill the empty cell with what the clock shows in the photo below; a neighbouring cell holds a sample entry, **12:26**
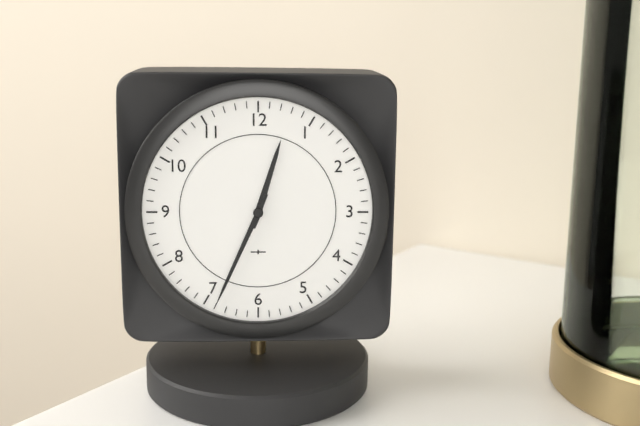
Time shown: **12:34**
